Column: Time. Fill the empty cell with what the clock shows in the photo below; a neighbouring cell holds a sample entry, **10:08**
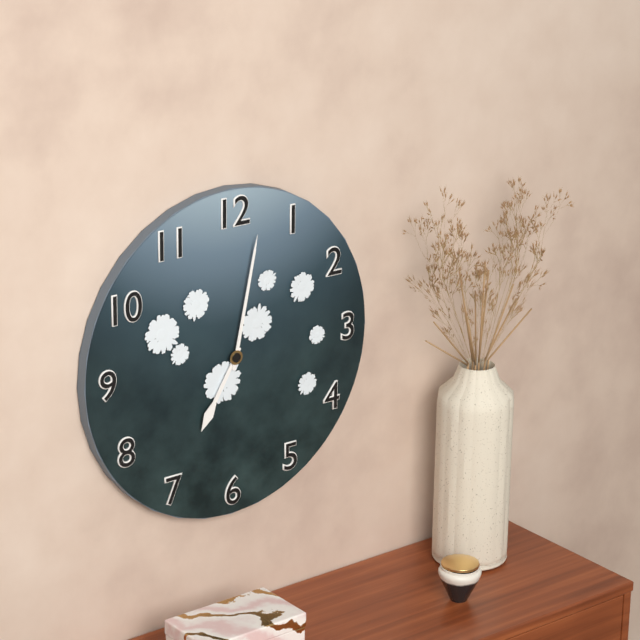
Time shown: **7:02**
